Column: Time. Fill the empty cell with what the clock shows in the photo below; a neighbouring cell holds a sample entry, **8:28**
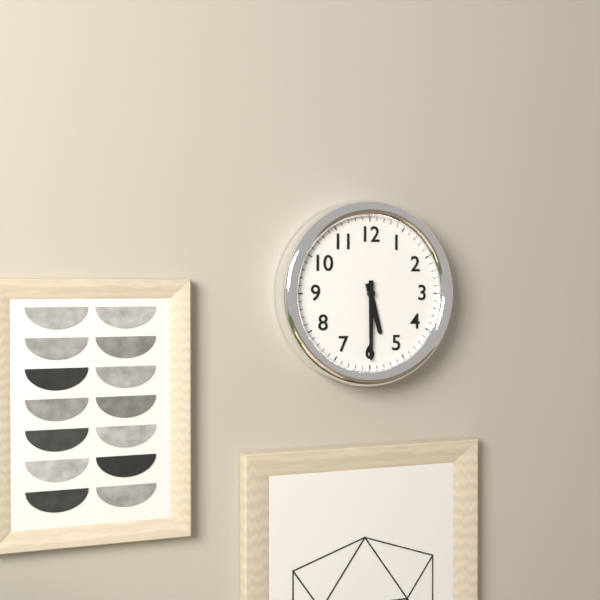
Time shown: **5:30**
